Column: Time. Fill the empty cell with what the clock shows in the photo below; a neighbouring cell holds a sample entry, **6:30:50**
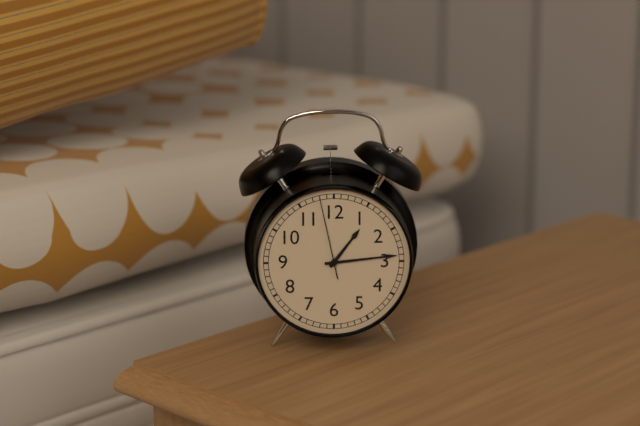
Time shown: **1:14:58**
